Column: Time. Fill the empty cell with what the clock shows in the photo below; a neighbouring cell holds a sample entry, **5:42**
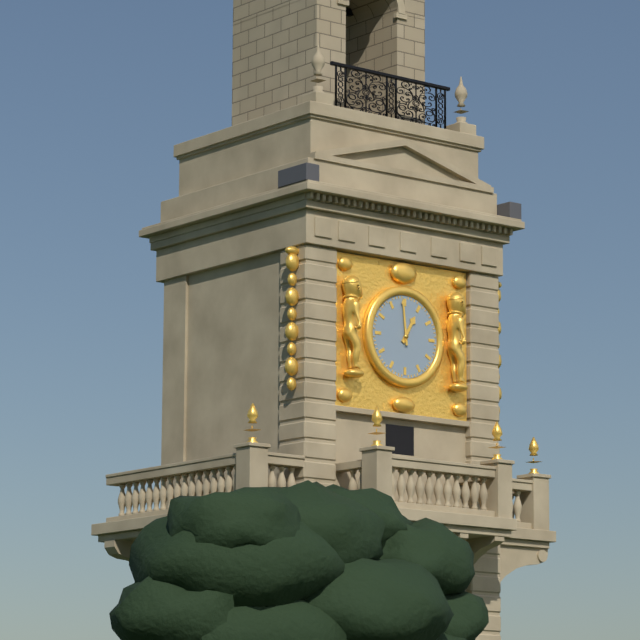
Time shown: **12:59**
